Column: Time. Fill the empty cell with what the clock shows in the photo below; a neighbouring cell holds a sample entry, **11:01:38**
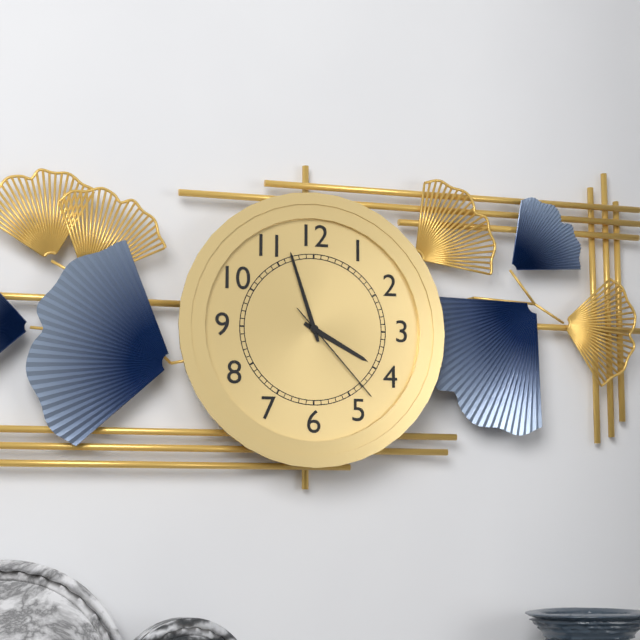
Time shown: **3:57:23**
